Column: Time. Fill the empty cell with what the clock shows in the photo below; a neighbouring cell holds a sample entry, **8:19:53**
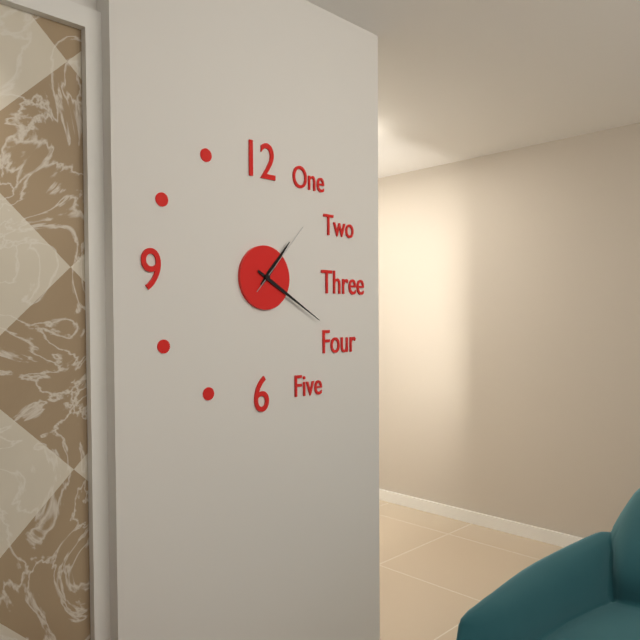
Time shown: **1:20:07**
